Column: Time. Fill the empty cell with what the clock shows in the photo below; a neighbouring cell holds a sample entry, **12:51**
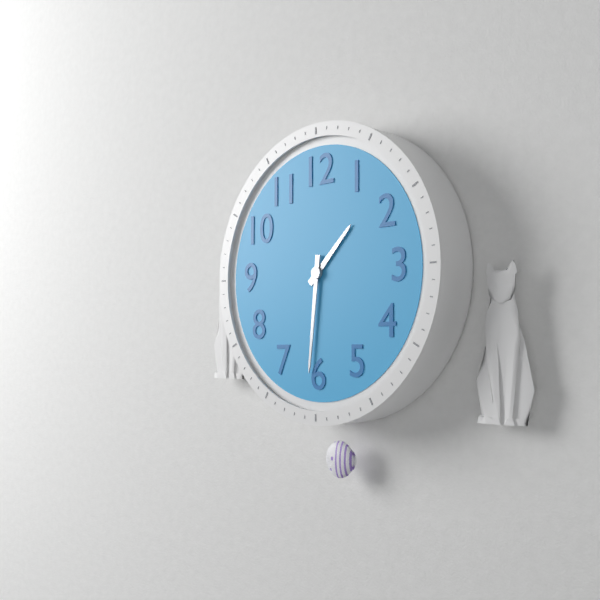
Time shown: **1:31**
